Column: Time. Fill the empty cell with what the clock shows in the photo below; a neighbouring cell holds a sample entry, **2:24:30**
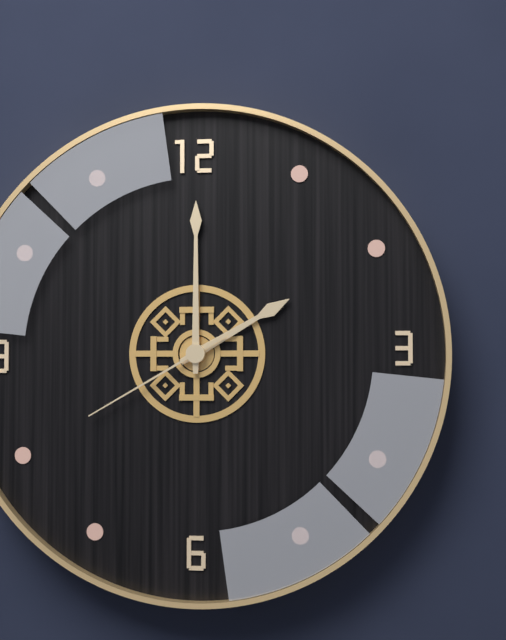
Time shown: **2:00:40**
